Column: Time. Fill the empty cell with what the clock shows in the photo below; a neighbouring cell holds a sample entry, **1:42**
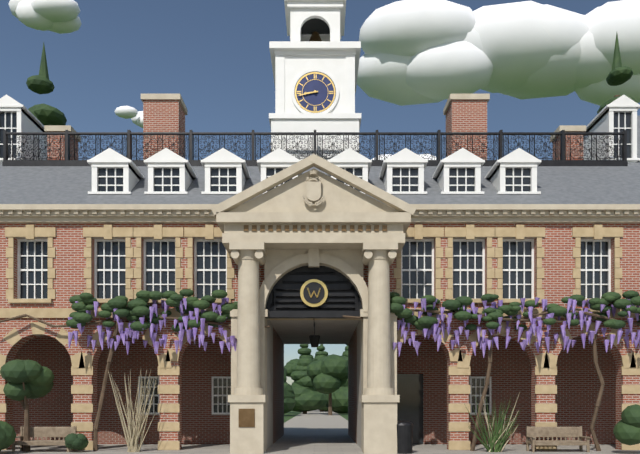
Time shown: **8:43**
